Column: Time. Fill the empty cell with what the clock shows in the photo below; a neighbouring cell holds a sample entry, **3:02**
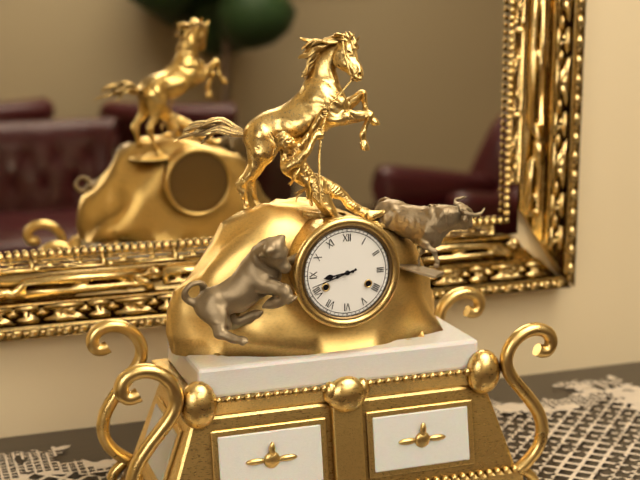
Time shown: **8:42**
